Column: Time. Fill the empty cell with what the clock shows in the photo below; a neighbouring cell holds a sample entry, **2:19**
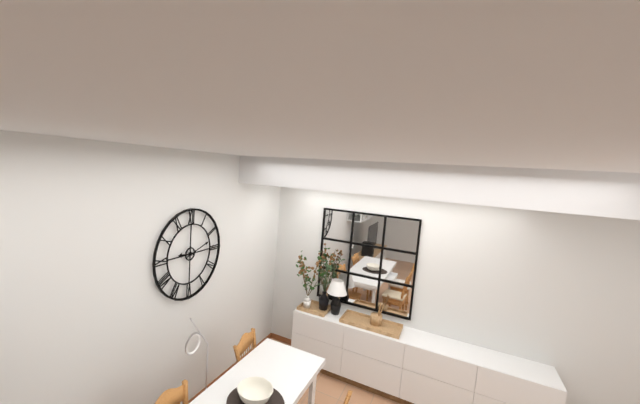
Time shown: **9:12**
